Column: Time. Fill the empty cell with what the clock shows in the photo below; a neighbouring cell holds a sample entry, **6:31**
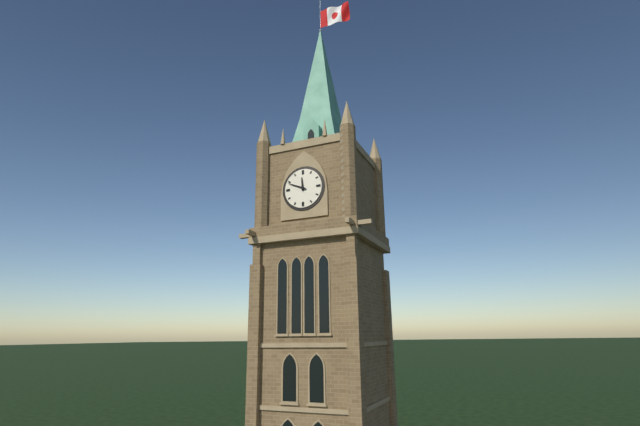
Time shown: **11:49**
